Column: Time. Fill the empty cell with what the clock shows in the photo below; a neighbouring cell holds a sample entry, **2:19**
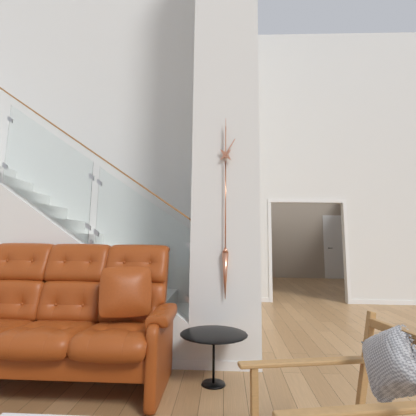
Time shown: **1:00**
